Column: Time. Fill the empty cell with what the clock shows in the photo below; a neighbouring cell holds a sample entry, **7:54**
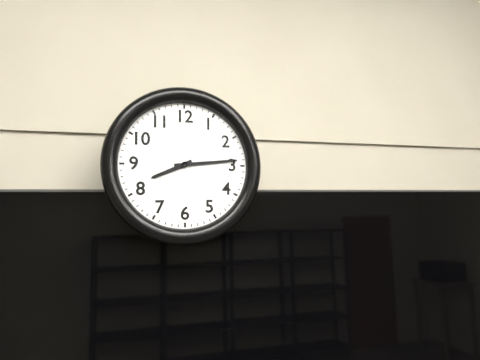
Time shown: **8:14**
